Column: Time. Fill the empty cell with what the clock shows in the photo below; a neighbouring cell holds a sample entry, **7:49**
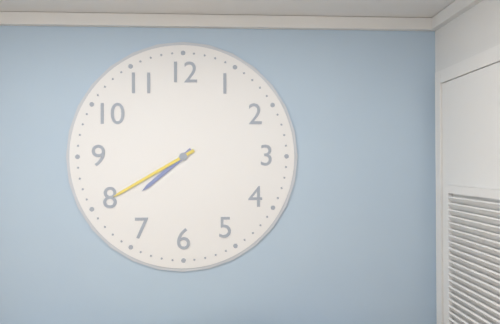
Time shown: **7:40**
